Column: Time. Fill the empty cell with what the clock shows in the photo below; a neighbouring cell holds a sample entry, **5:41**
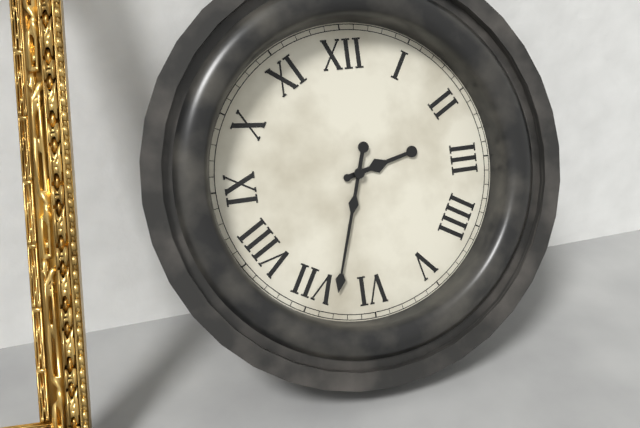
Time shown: **2:33**
